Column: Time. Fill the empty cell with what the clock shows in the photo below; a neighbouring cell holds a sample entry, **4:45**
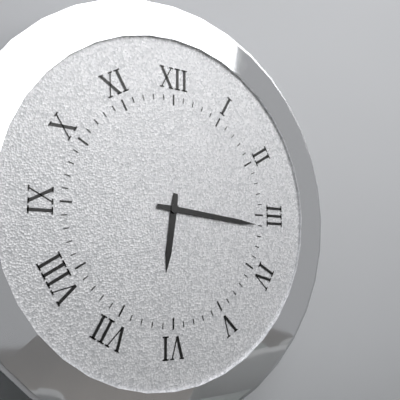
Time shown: **6:16**
